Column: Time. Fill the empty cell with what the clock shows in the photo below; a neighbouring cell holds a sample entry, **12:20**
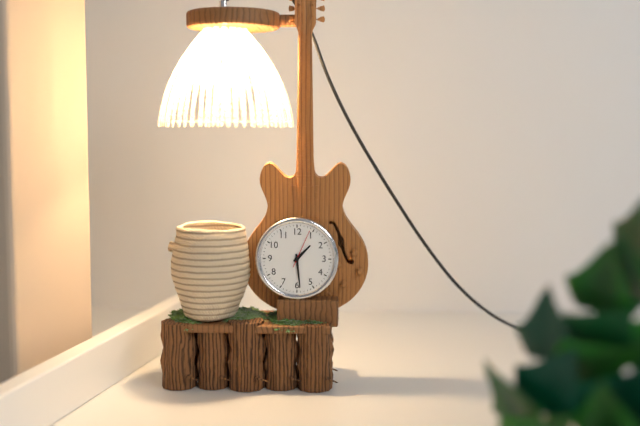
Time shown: **1:29**
